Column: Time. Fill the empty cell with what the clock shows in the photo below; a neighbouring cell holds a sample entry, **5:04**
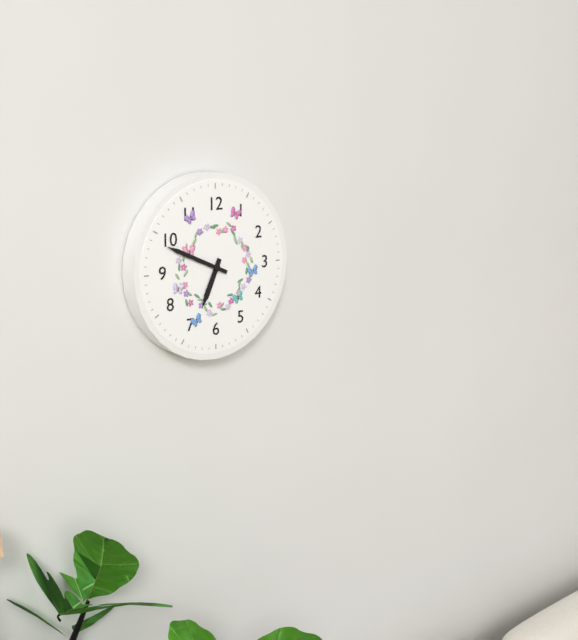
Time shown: **6:49**
